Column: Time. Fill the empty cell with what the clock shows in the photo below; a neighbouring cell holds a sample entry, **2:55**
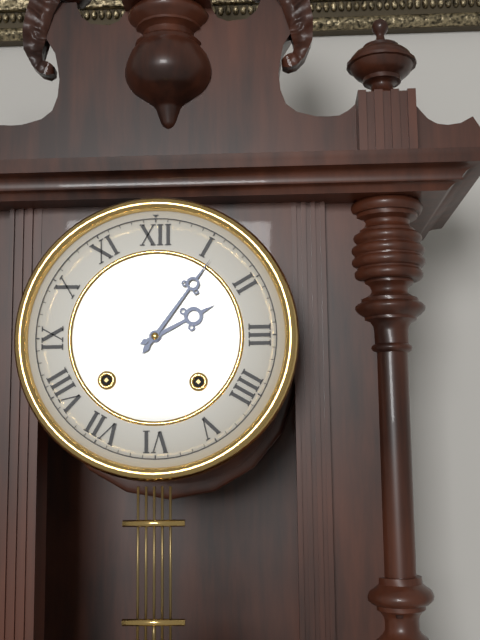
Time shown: **2:06**
